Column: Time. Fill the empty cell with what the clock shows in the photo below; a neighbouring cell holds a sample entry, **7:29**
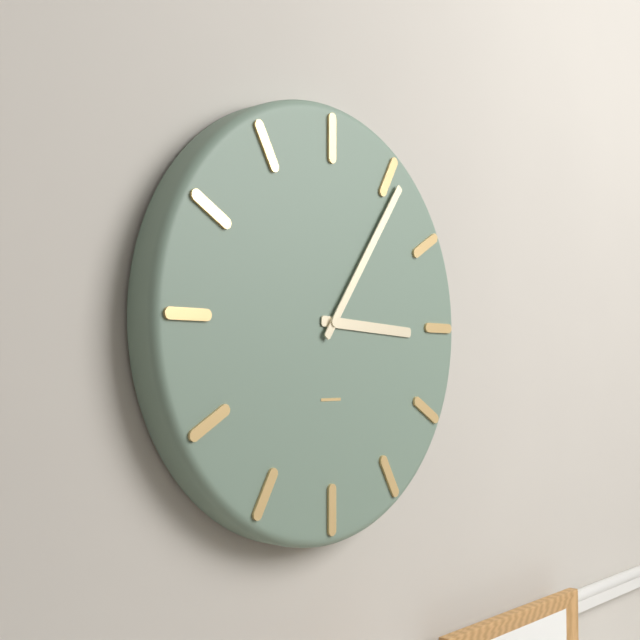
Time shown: **3:06**
